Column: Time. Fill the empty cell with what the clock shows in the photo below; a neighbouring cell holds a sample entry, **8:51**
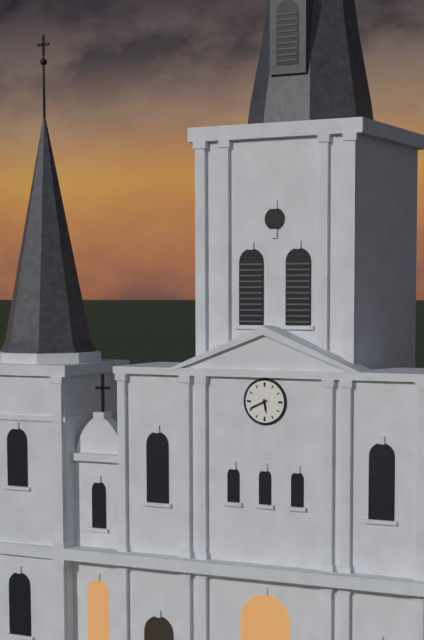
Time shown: **5:41**
